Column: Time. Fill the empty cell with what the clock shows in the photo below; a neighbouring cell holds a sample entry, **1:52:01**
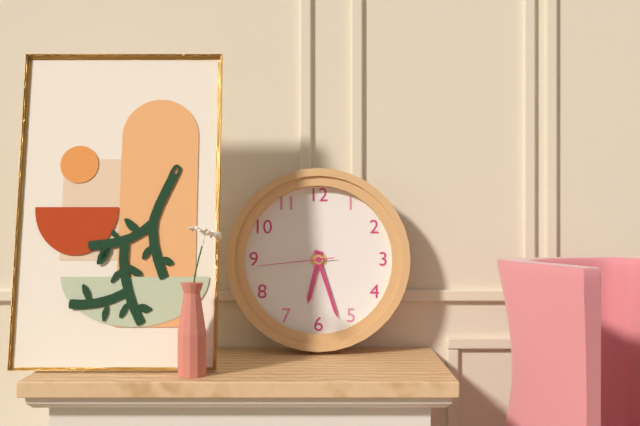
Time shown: **6:27:44**
